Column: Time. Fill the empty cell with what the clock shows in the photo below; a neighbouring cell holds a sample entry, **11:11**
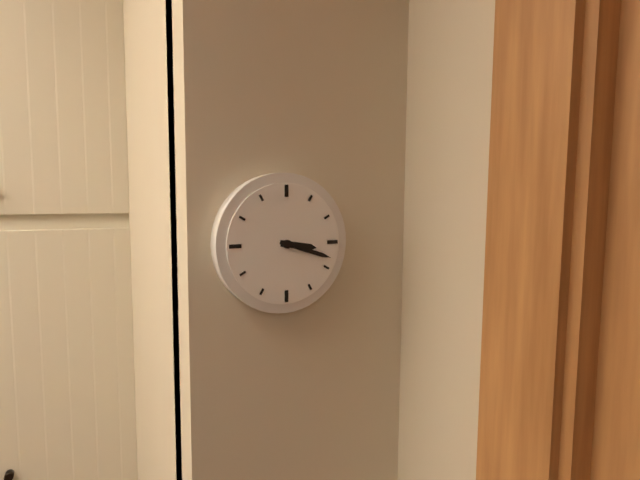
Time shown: **3:18**
